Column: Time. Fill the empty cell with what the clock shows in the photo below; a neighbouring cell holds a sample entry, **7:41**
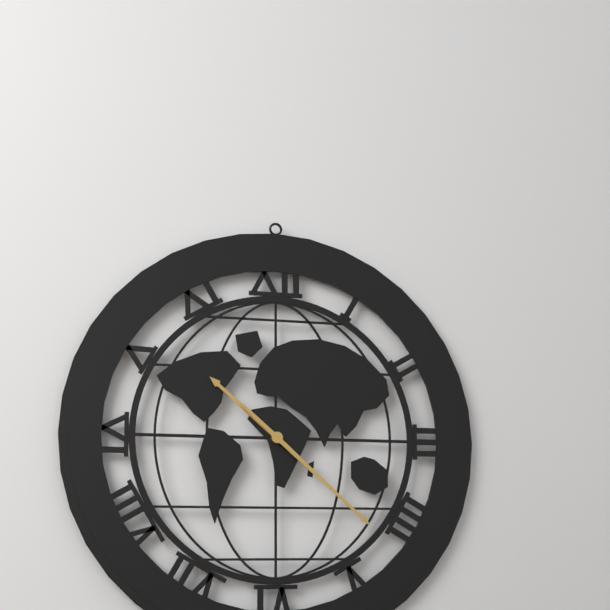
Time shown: **10:22**
